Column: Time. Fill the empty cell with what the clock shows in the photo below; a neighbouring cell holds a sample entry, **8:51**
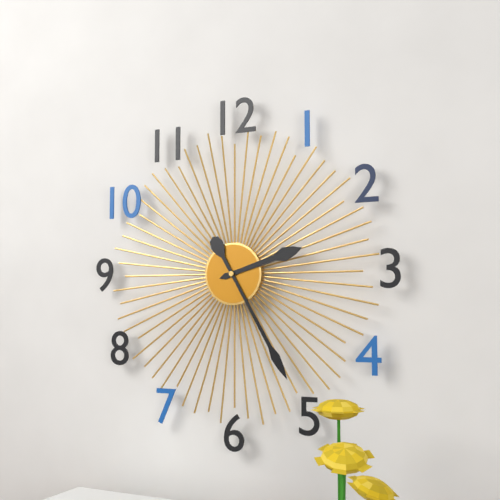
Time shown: **2:25**
